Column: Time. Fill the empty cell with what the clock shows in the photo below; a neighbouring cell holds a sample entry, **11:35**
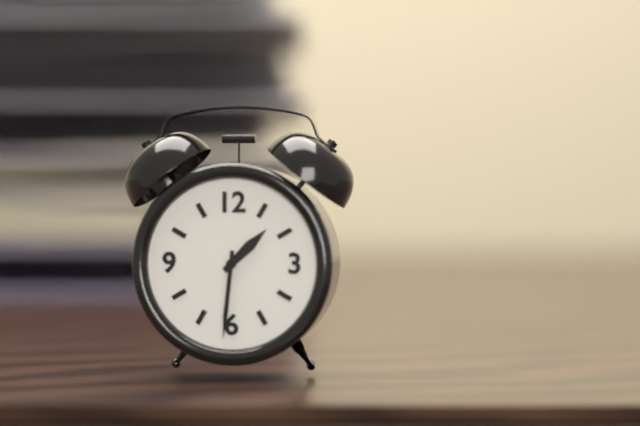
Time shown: **1:31**
